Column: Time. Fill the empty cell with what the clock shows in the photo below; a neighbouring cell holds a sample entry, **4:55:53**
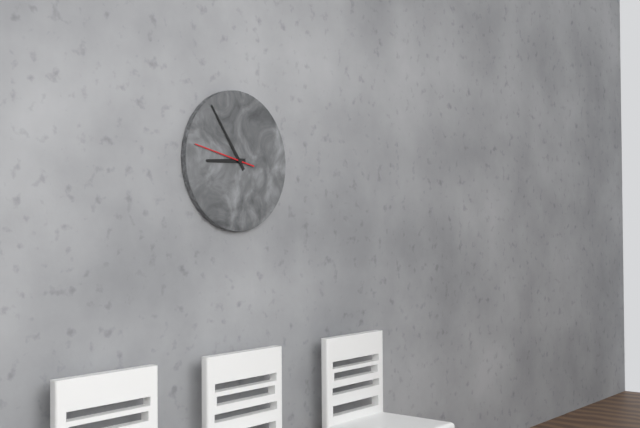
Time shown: **8:54:47**
